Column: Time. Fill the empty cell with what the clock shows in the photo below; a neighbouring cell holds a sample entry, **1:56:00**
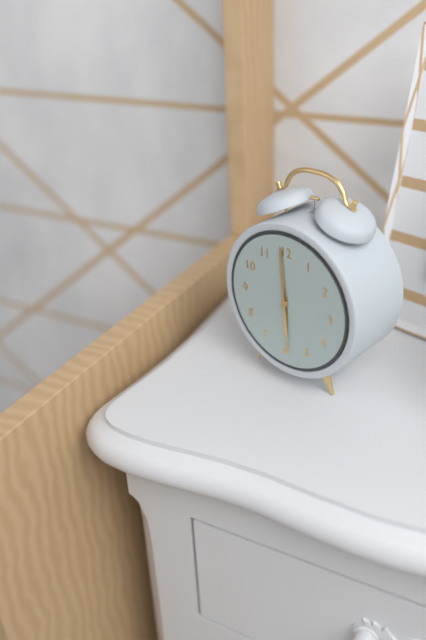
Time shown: **5:59:29**
